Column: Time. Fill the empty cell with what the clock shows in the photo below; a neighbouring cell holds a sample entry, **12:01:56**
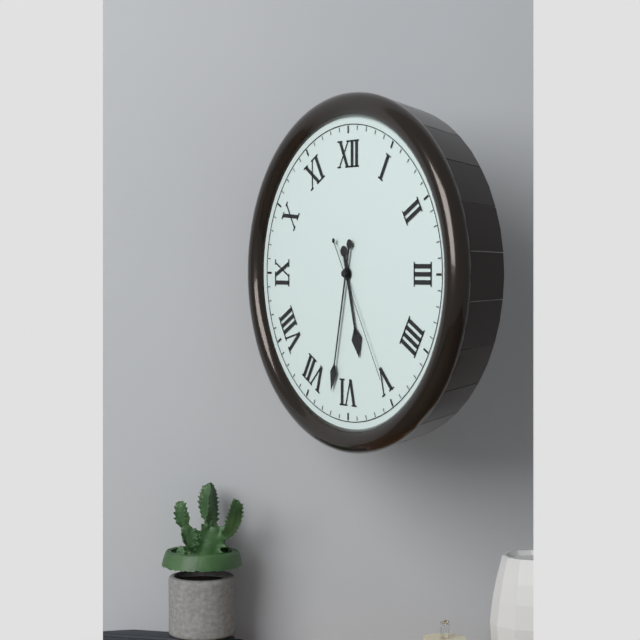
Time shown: **5:32:25**
